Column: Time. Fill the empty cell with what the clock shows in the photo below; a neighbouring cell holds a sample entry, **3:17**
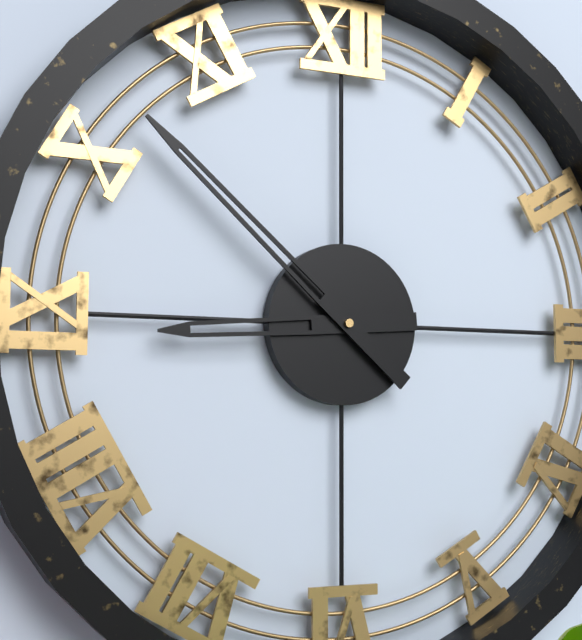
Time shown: **8:52**
